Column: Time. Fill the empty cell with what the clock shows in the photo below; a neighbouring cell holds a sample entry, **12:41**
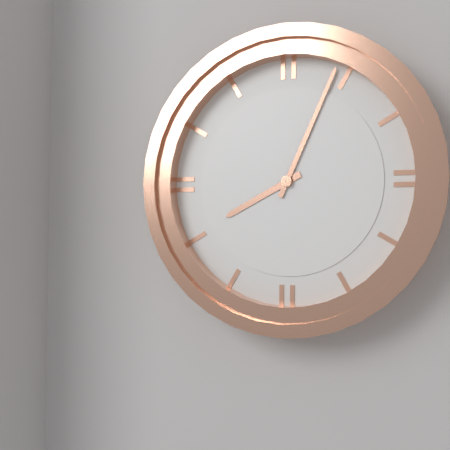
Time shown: **8:04**
